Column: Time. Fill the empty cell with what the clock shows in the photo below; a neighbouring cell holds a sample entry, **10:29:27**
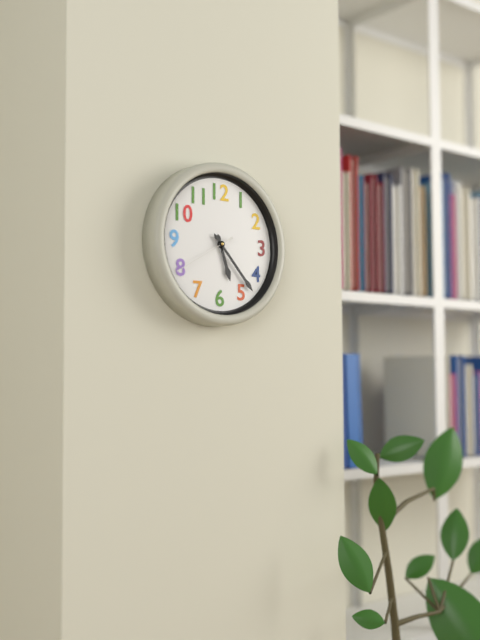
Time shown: **5:23:40**
